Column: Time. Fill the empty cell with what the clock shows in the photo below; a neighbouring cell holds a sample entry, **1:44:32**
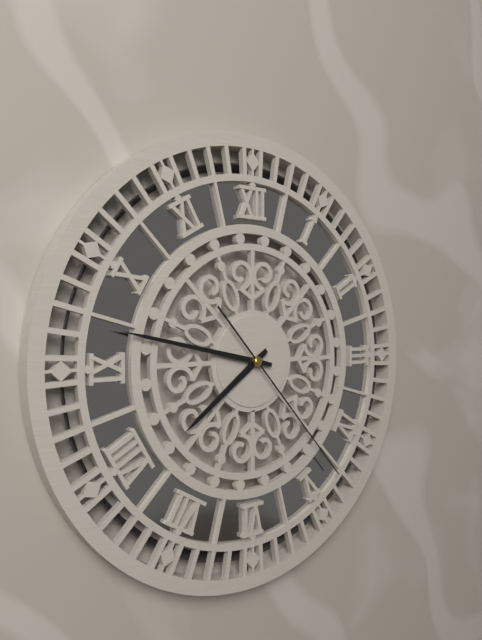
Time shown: **7:47:23**
